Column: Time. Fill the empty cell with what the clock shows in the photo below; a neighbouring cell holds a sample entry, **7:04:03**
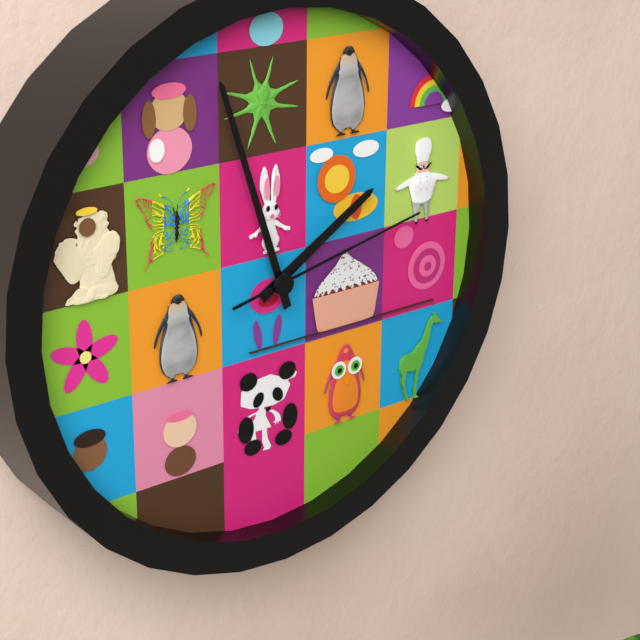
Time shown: **1:57:13**
